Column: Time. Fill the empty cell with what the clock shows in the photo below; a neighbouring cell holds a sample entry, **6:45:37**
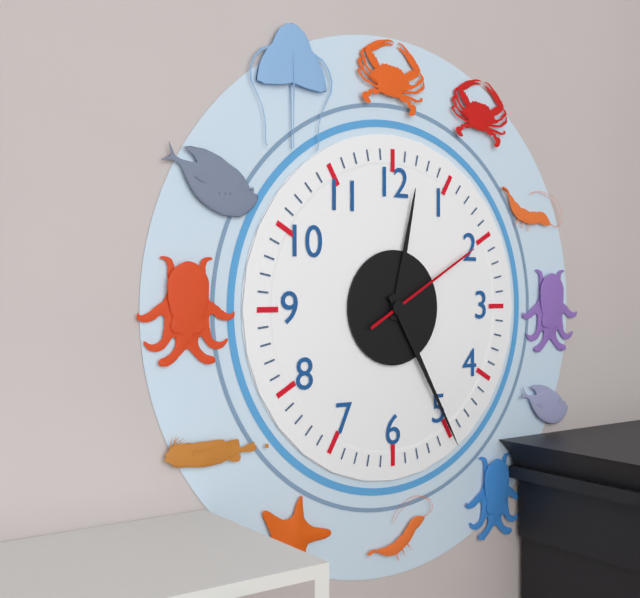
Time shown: **12:25:10**
